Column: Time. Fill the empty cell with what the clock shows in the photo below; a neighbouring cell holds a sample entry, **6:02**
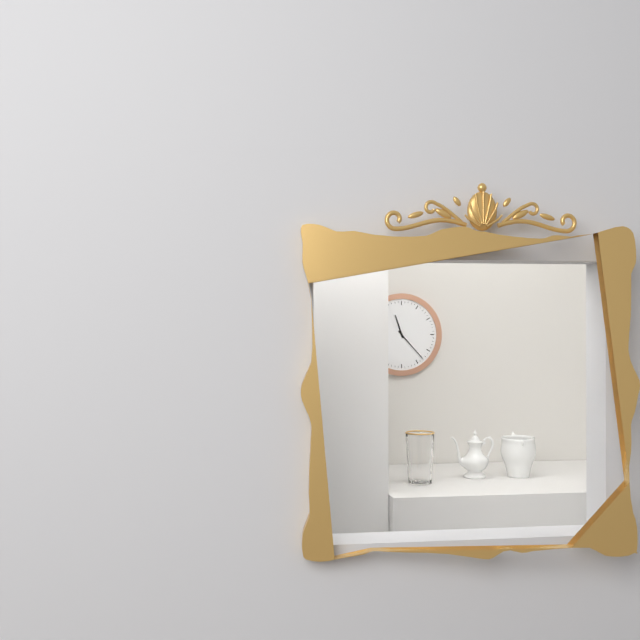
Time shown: **11:23**
